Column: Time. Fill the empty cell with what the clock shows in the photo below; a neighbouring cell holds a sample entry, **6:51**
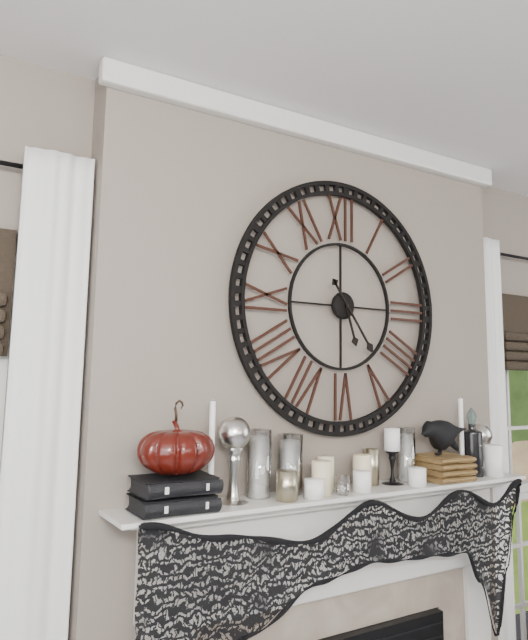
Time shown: **5:24**
